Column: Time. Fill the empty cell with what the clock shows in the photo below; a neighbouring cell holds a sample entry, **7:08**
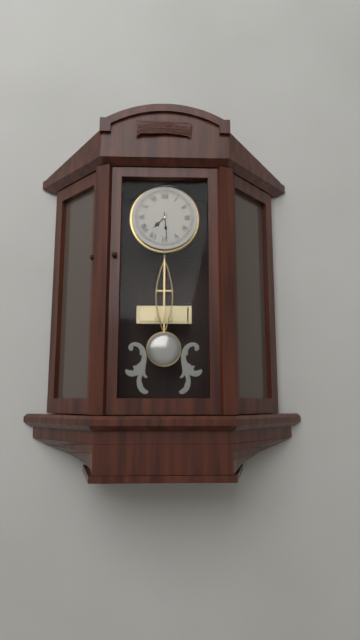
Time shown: **7:29**
